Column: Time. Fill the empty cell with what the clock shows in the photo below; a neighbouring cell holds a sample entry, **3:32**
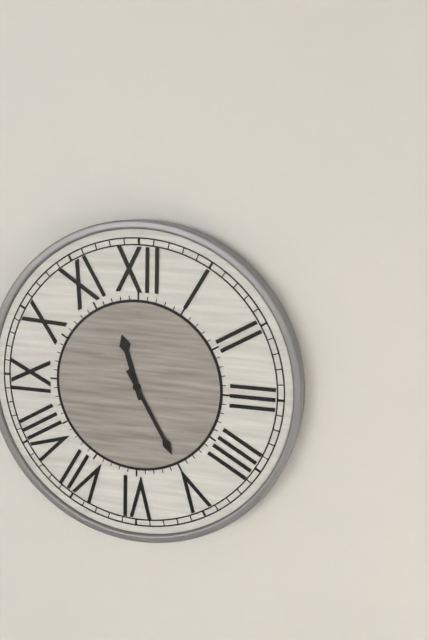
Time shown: **11:25**
